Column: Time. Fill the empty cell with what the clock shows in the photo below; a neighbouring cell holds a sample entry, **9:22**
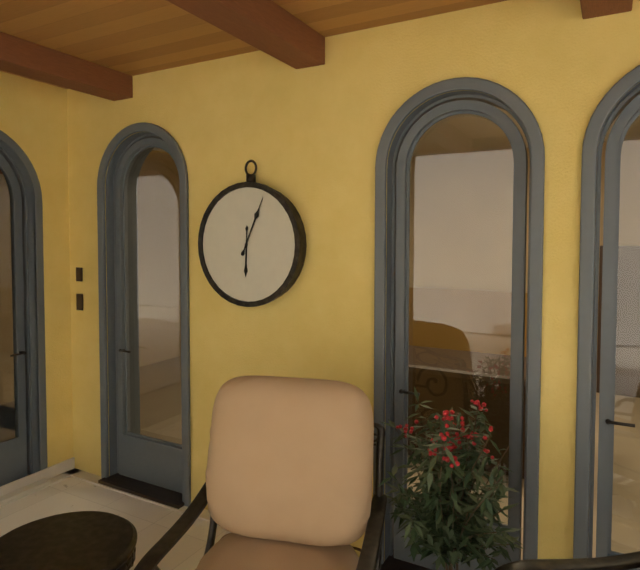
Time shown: **6:04**
